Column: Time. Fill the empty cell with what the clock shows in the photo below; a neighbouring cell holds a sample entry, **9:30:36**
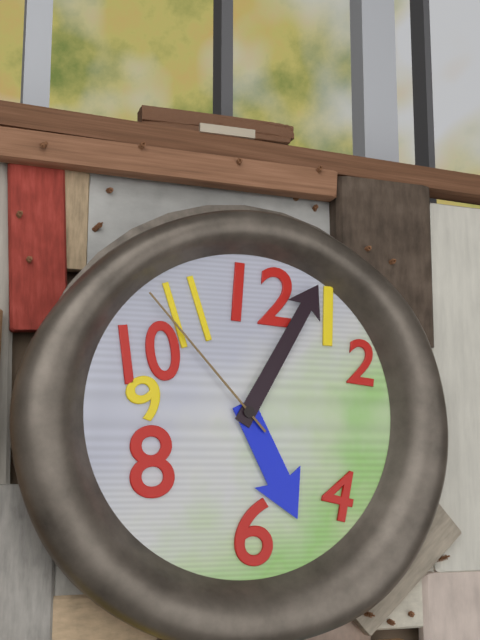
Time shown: **5:05:53**
